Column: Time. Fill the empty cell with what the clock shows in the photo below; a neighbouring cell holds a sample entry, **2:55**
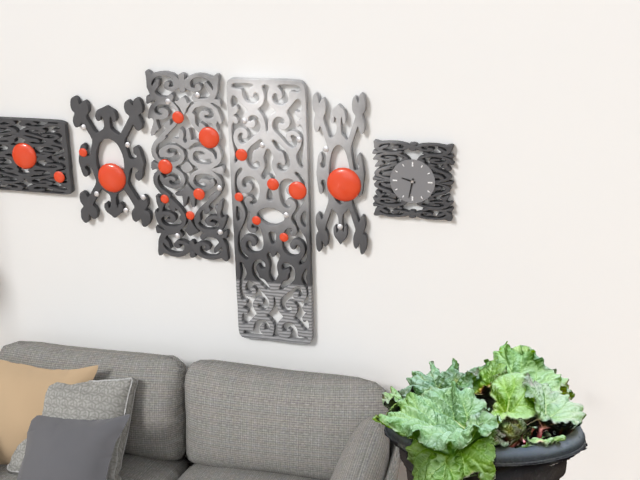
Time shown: **9:32**
